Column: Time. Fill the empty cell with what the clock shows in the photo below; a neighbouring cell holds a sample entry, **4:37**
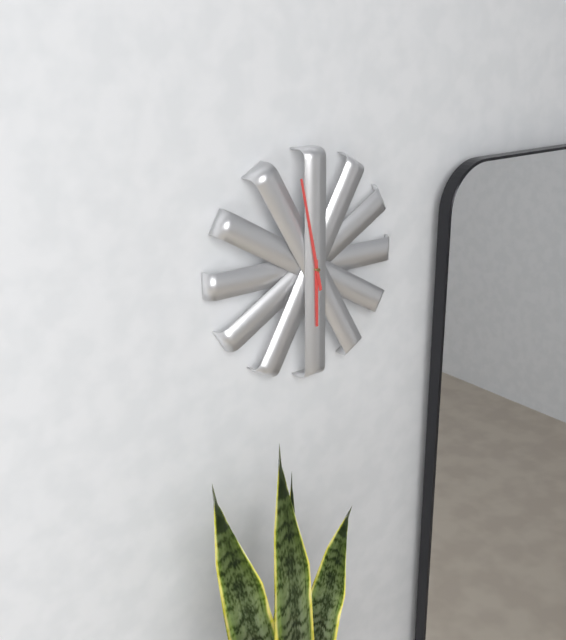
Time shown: **5:58**
